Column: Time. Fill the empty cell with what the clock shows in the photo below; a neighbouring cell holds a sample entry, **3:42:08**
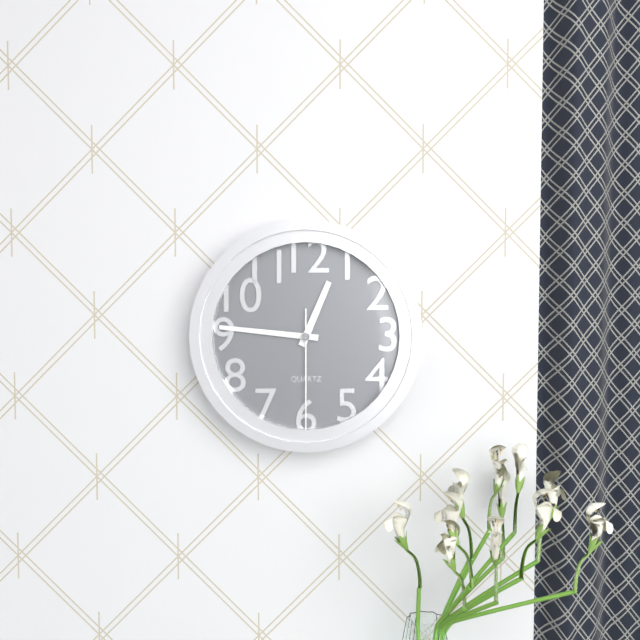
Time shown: **12:46:30**
